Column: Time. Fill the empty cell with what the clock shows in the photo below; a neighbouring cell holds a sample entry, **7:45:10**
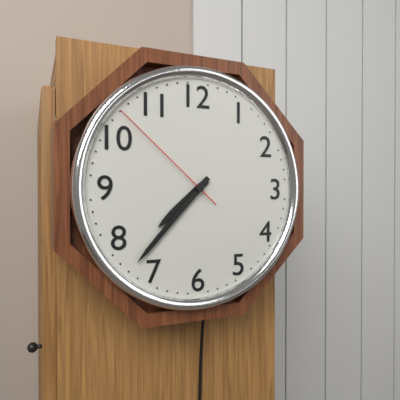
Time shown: **7:37:52**
